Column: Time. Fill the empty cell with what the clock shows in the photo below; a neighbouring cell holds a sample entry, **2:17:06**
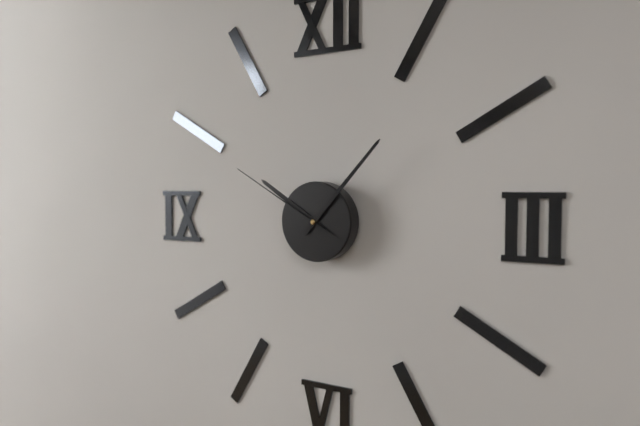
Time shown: **10:07:50**
